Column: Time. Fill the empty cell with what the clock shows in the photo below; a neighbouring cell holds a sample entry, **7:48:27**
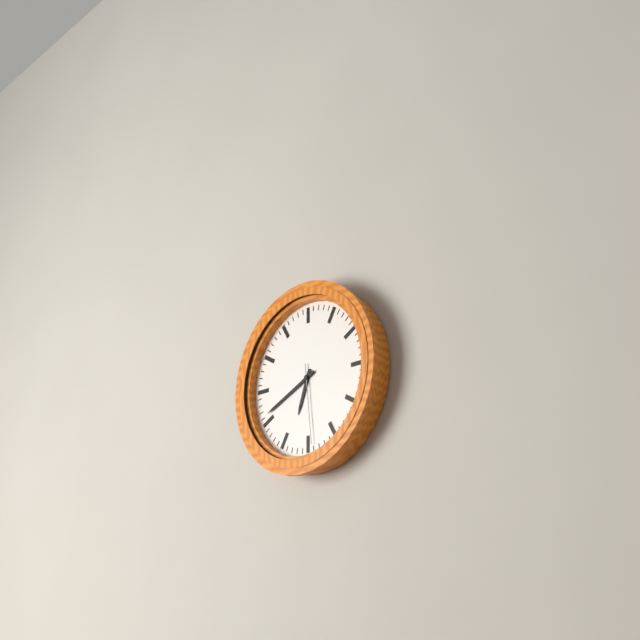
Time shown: **6:41:29**
